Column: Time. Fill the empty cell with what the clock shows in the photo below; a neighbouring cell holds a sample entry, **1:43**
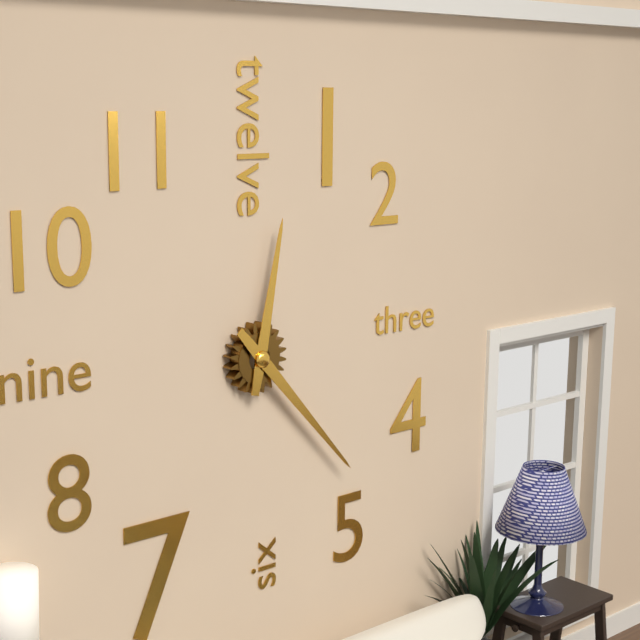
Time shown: **12:23**
